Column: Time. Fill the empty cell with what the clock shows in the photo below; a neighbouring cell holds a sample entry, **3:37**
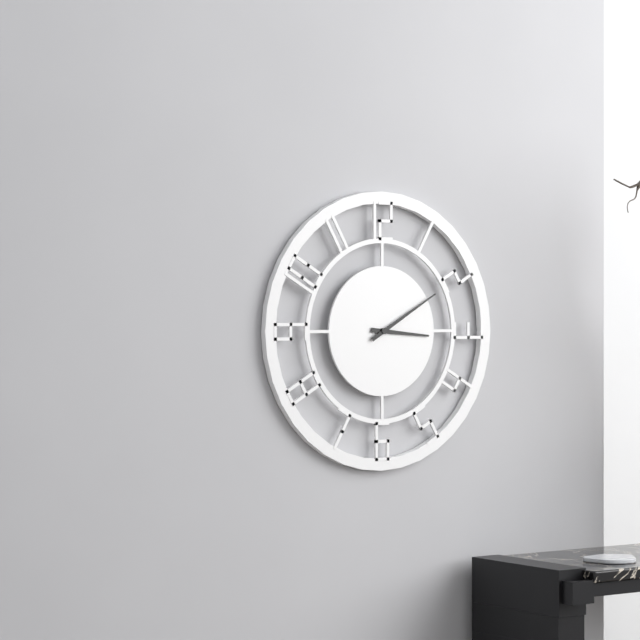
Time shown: **3:10**
